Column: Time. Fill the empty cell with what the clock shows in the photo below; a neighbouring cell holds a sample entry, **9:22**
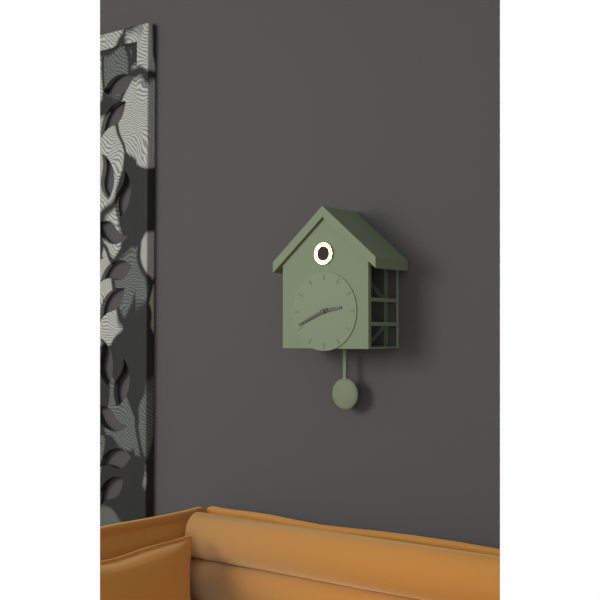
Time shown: **2:41**
